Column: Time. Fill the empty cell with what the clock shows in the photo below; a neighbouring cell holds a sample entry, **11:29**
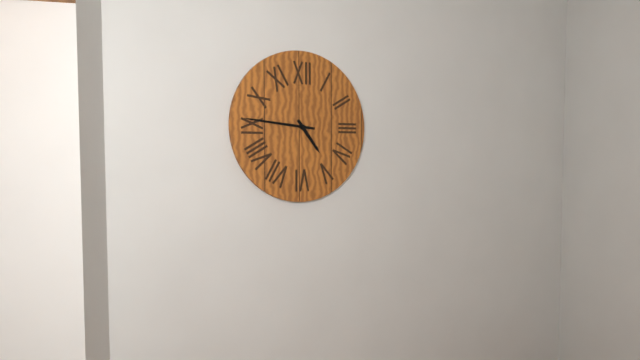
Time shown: **4:46**
